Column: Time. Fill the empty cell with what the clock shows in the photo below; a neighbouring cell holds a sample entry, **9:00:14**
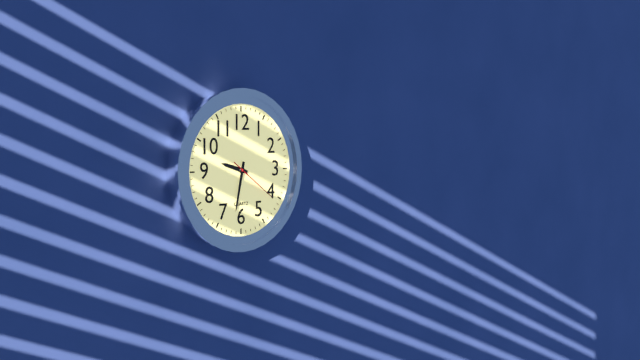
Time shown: **9:32:21**
